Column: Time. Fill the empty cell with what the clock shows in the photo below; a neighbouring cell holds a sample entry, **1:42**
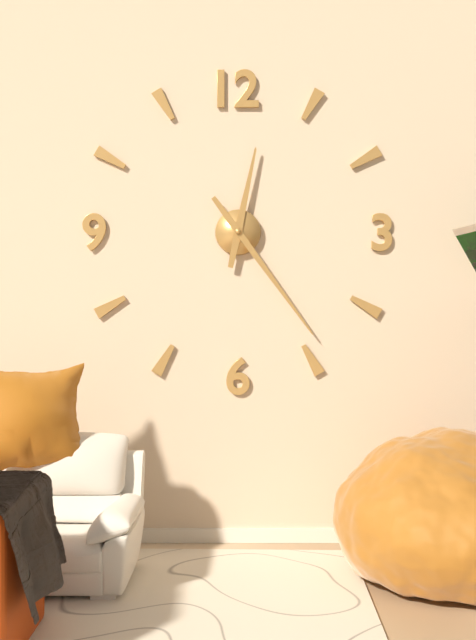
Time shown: **12:24**
